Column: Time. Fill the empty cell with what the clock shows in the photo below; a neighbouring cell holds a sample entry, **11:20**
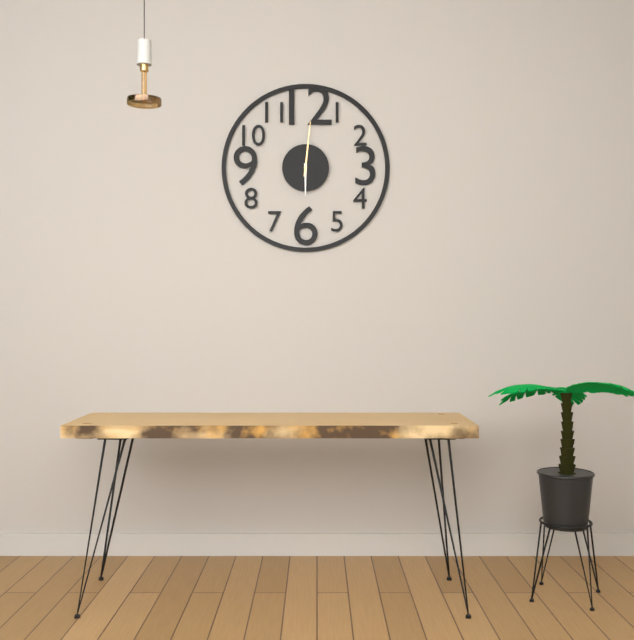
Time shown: **6:01**
